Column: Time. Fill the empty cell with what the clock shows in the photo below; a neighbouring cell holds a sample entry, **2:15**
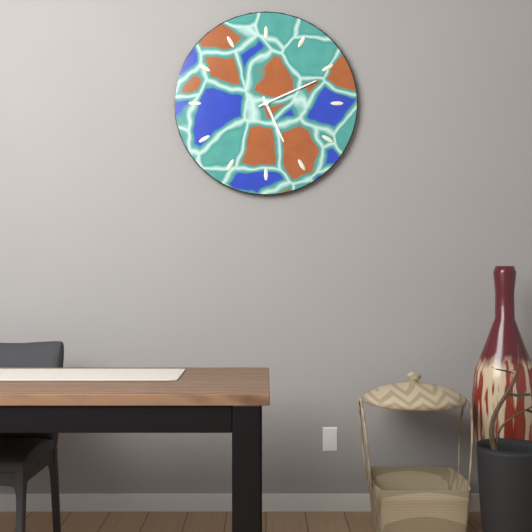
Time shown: **5:11**
